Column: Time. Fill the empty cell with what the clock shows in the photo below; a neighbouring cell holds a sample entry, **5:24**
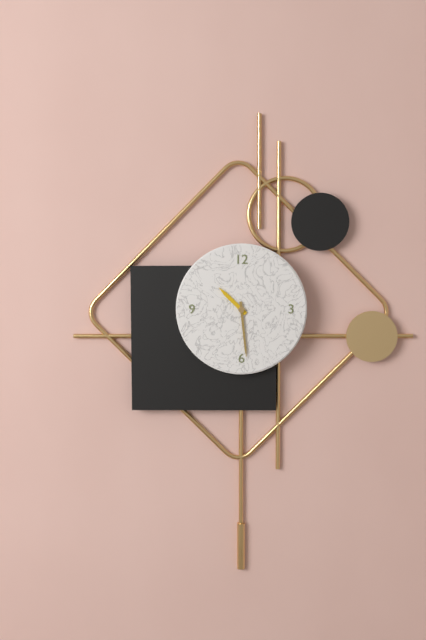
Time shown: **10:29**
